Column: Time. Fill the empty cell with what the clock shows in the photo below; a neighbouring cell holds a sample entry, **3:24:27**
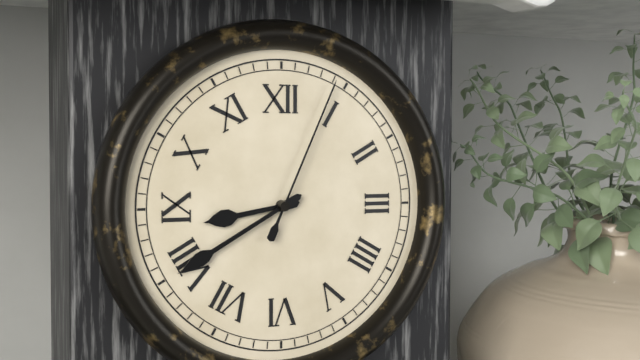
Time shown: **8:40:04**
